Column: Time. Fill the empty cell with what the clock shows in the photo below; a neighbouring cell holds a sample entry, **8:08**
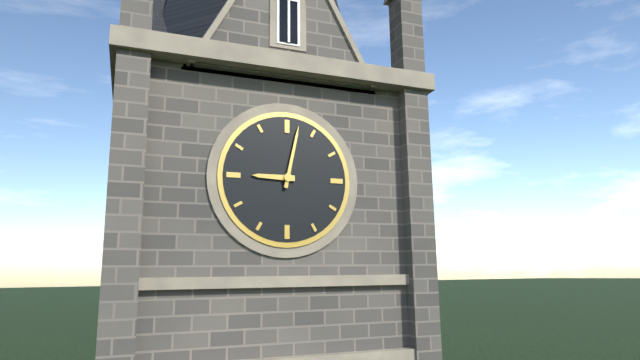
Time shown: **9:02**
